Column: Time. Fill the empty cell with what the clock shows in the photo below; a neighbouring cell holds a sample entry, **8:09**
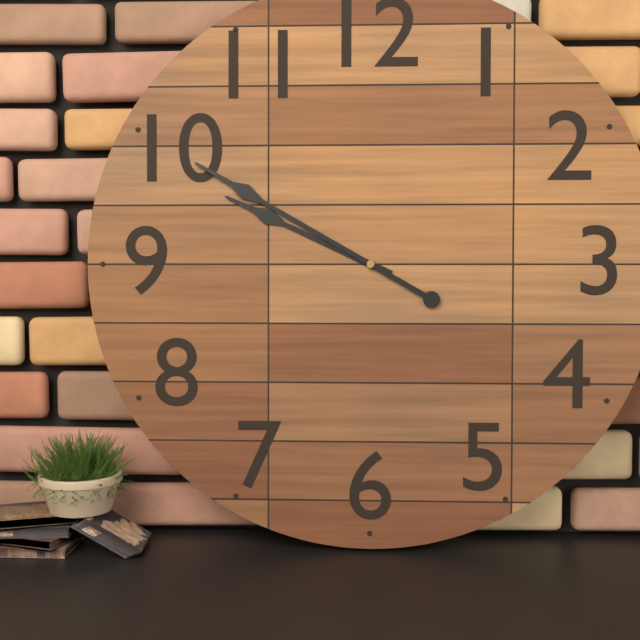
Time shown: **9:50**
